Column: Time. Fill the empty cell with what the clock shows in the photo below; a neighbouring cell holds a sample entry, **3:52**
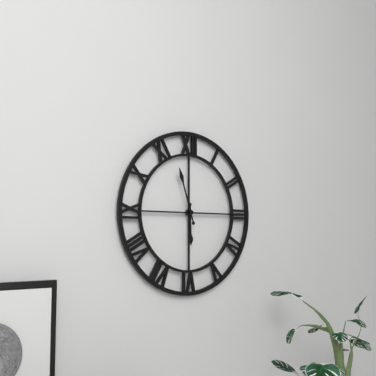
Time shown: **5:57**
